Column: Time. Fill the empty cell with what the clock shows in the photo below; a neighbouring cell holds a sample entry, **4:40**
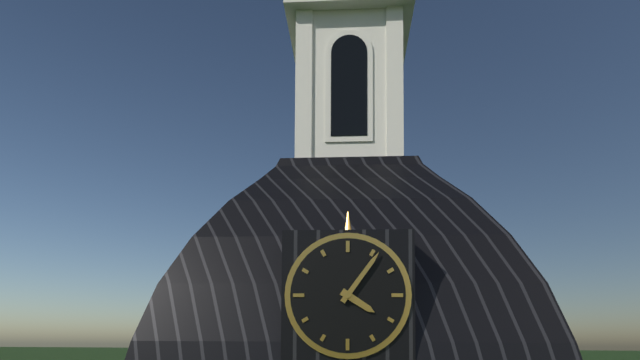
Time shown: **4:06**
